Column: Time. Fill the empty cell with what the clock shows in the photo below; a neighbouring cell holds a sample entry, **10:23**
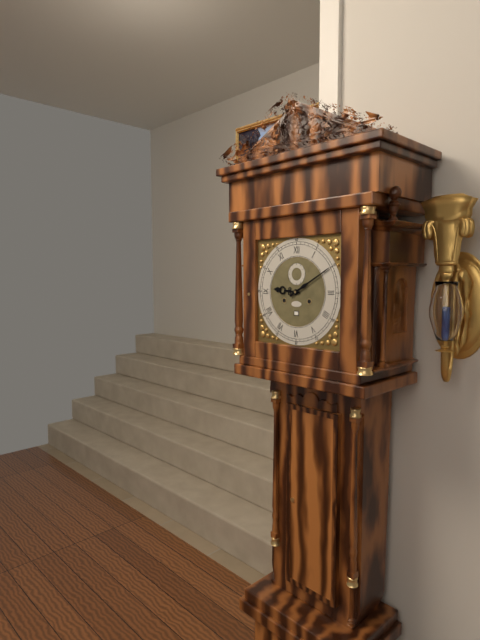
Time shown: **9:10**
